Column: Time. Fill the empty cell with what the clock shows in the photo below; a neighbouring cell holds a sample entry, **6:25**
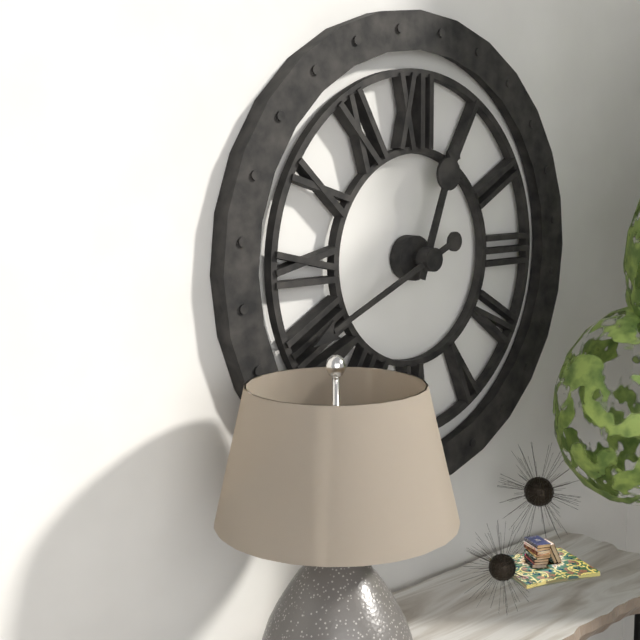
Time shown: **12:41**
